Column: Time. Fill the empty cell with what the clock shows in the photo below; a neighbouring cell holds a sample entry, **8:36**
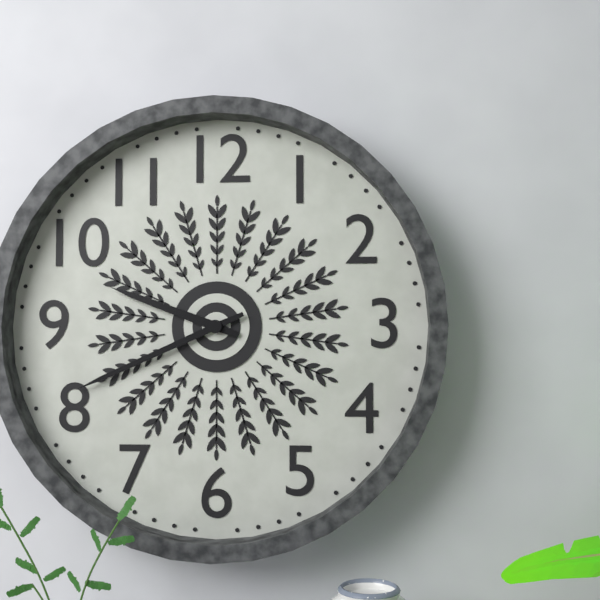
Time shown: **9:41**
